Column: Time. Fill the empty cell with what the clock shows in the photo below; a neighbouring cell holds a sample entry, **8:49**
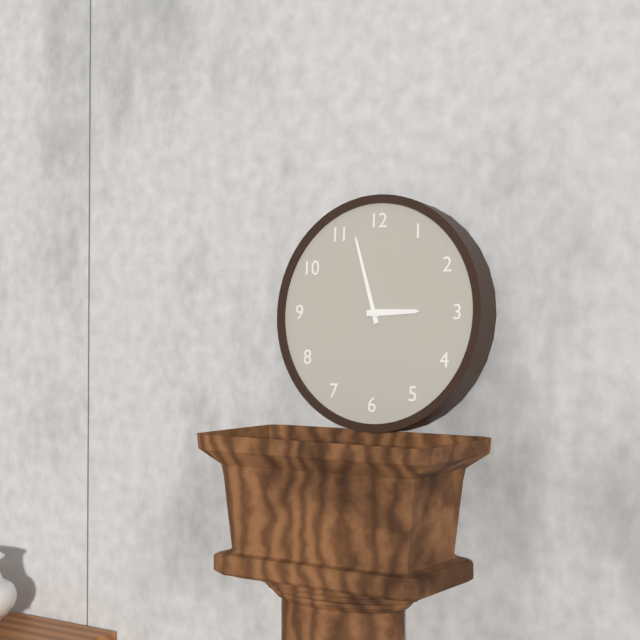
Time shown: **2:57**
